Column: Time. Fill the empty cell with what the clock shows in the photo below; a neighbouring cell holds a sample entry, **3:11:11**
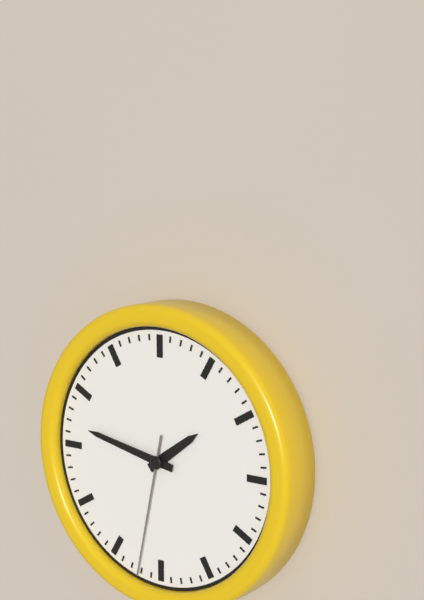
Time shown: **1:47:32**
